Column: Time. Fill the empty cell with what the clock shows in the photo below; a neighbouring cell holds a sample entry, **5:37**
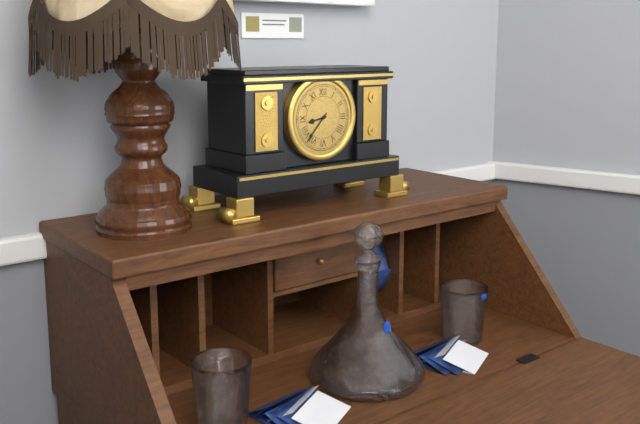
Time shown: **8:37**
